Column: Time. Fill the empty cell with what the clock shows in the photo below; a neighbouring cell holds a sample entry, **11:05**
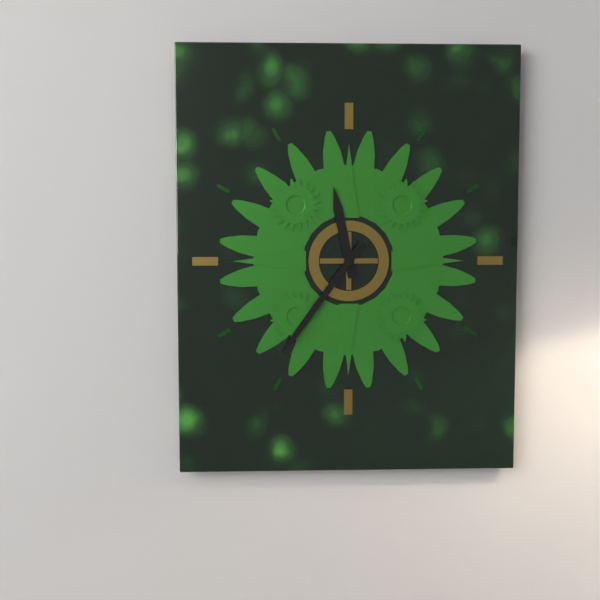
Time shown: **11:36**
